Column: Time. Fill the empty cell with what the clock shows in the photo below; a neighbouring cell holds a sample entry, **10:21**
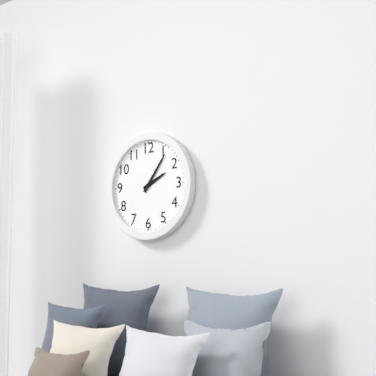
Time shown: **2:06**
